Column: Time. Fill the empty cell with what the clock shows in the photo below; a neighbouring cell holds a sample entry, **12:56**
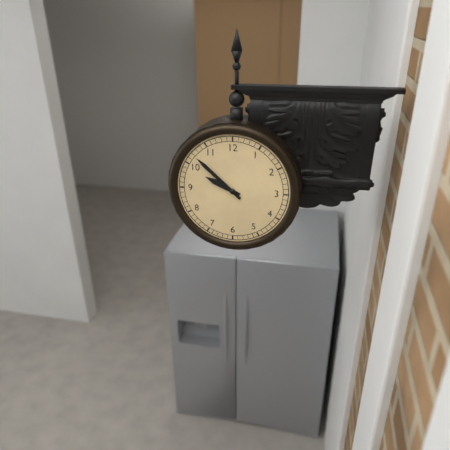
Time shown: **9:52**
